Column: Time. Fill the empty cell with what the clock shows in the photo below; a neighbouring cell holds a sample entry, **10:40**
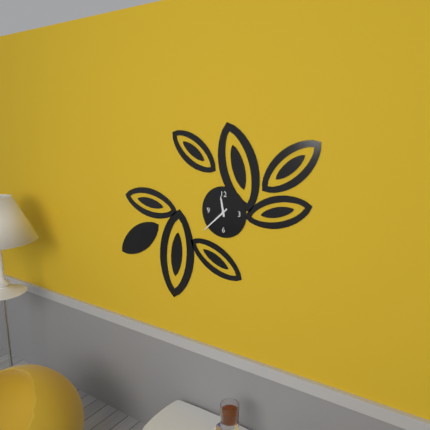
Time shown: **11:38**
